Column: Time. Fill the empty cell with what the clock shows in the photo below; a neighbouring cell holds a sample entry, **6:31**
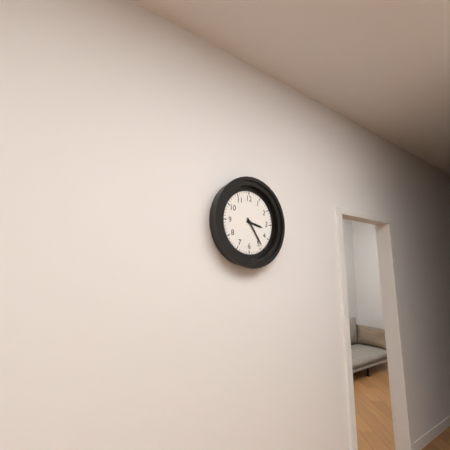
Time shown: **3:24**
